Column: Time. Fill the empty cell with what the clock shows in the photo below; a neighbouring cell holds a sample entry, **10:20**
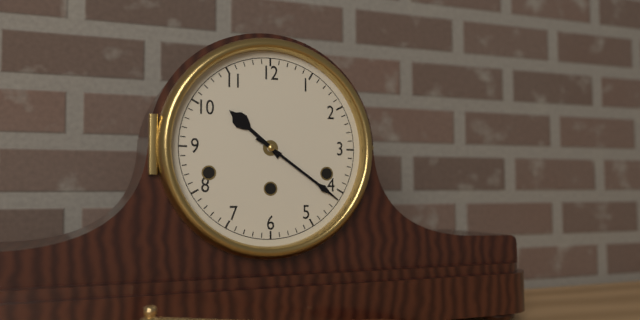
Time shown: **10:21**
